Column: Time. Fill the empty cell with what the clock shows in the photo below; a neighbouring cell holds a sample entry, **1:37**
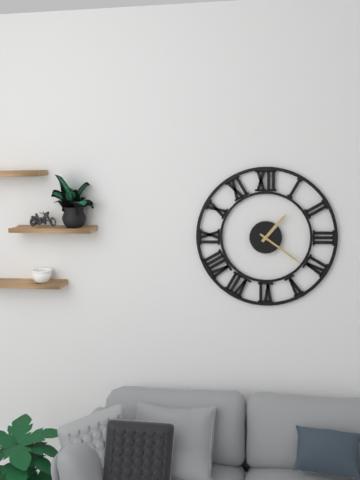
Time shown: **1:21**
